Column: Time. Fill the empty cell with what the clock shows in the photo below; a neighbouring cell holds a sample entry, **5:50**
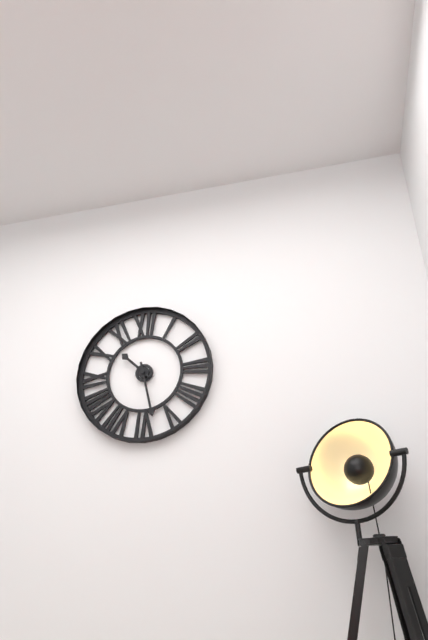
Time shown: **10:28**
